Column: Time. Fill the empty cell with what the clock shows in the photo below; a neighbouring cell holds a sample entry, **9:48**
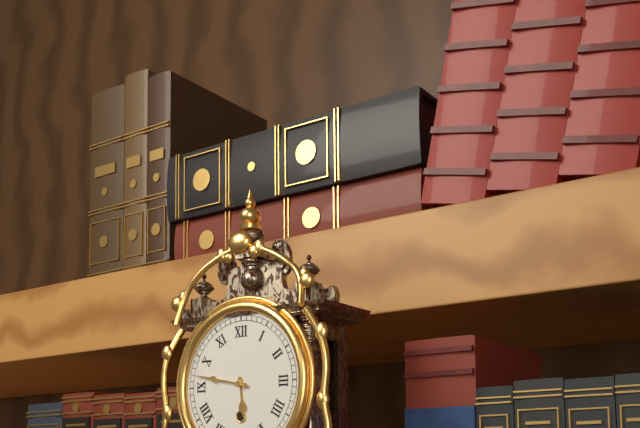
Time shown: **5:47**
